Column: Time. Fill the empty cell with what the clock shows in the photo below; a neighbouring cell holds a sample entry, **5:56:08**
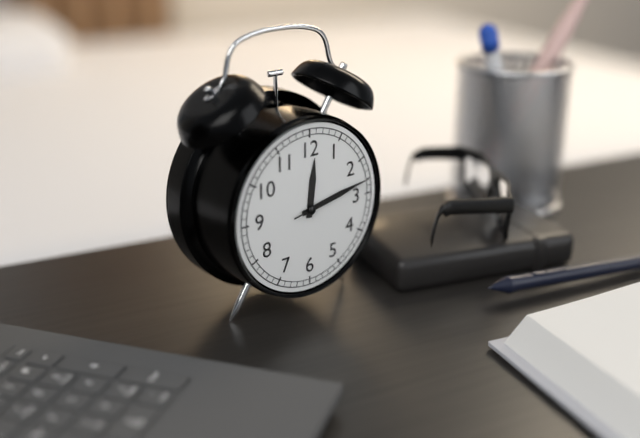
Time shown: **12:13:13**
